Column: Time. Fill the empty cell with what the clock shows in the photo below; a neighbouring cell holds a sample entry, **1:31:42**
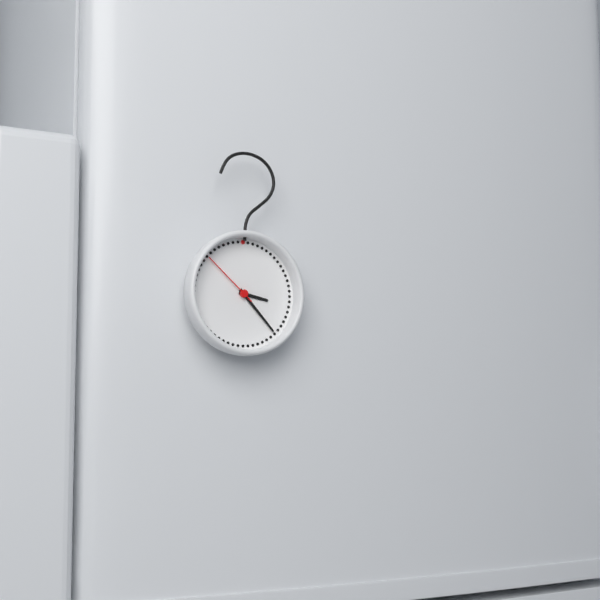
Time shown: **3:23:52**
